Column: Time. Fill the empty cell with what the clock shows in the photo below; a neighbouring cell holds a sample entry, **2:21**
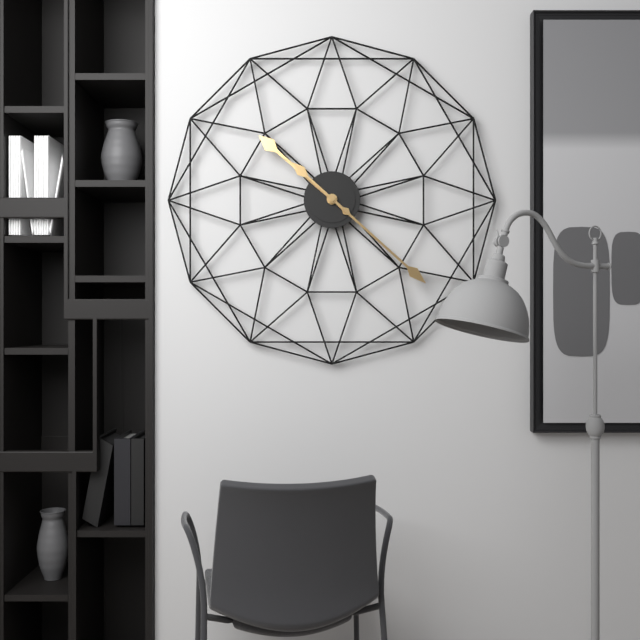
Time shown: **10:22**
